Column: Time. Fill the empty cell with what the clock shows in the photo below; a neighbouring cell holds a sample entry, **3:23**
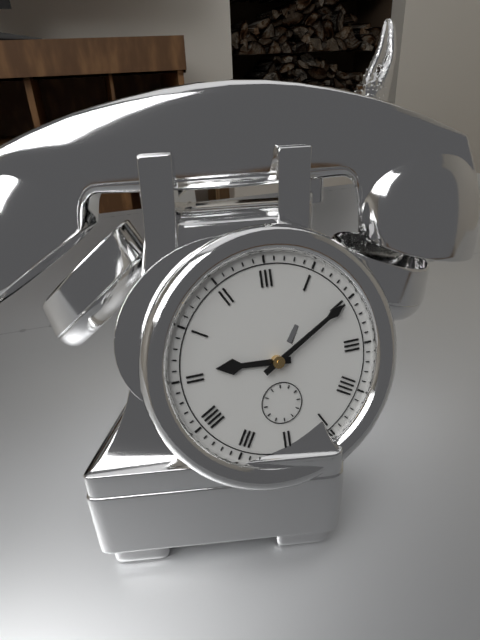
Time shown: **9:10**
